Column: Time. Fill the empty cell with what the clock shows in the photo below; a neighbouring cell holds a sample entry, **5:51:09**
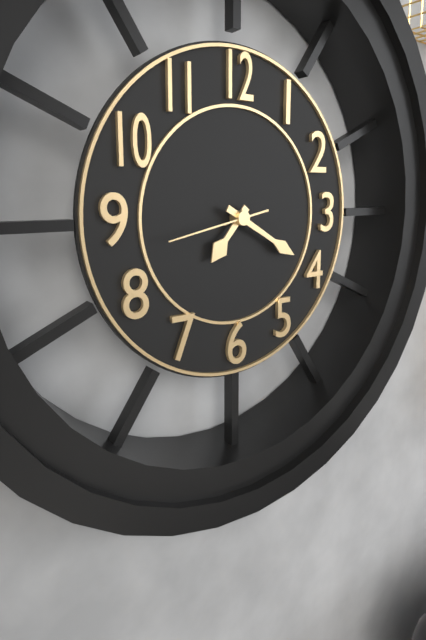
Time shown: **7:20:43**
